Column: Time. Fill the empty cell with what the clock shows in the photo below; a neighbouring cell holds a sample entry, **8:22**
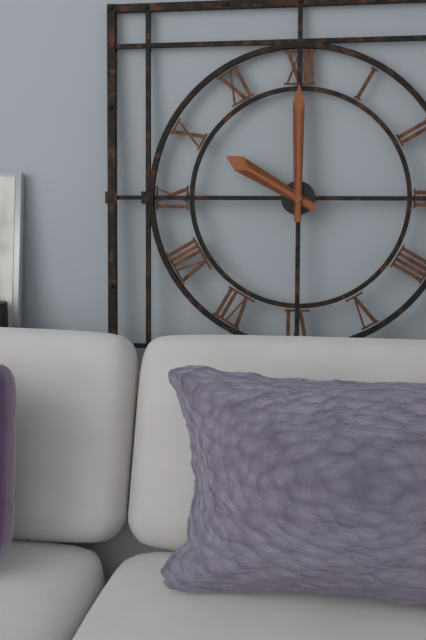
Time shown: **10:00**
